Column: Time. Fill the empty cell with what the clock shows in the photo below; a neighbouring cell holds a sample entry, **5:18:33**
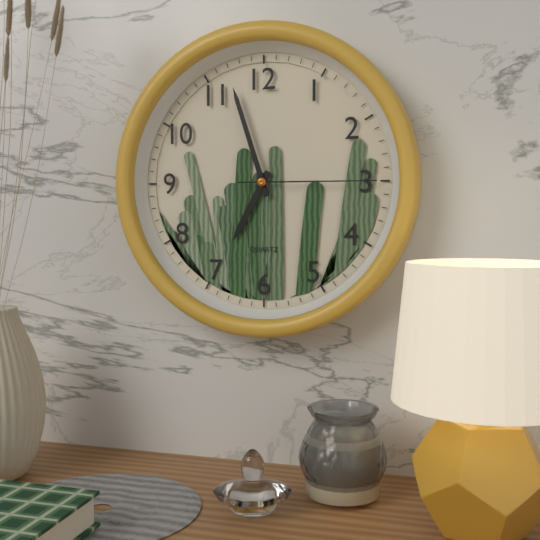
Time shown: **6:57:15**
